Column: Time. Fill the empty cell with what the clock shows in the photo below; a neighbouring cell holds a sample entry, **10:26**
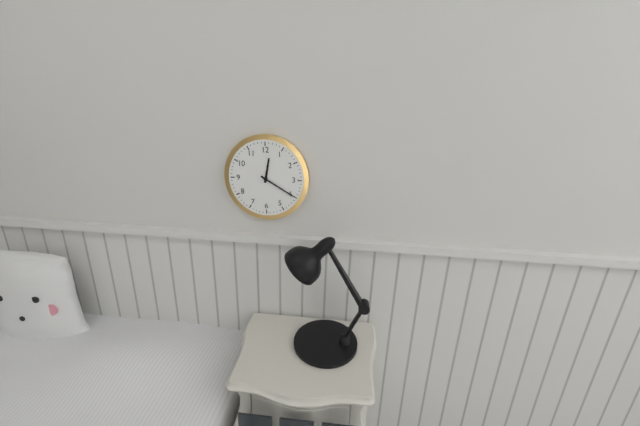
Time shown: **12:20**
